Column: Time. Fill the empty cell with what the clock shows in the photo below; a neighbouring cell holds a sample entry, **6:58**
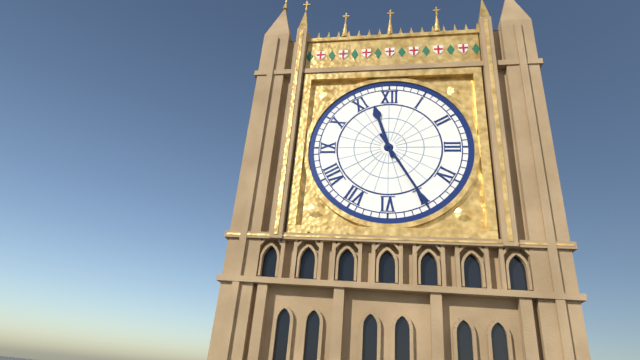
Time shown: **11:25**
